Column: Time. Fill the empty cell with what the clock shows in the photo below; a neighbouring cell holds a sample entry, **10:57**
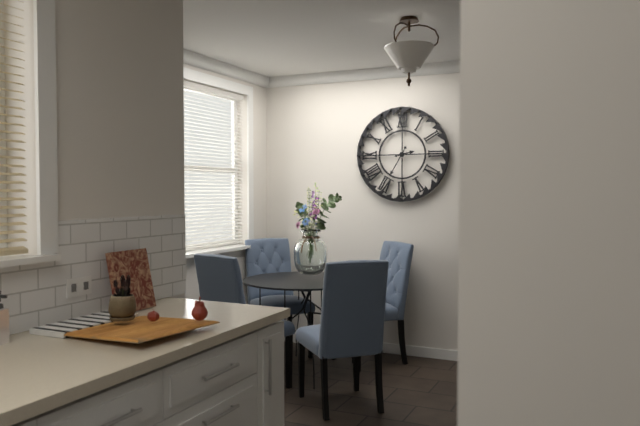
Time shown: **2:35**
